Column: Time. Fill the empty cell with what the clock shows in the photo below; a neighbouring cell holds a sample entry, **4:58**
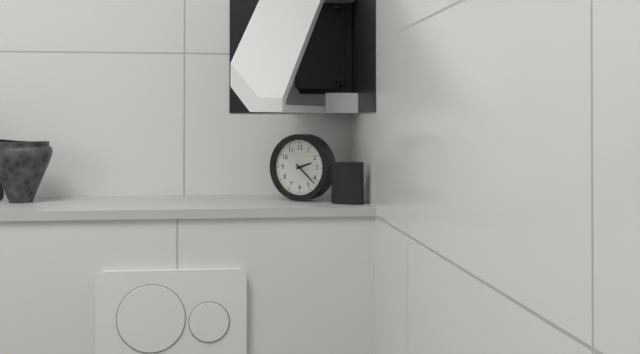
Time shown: **2:22**
